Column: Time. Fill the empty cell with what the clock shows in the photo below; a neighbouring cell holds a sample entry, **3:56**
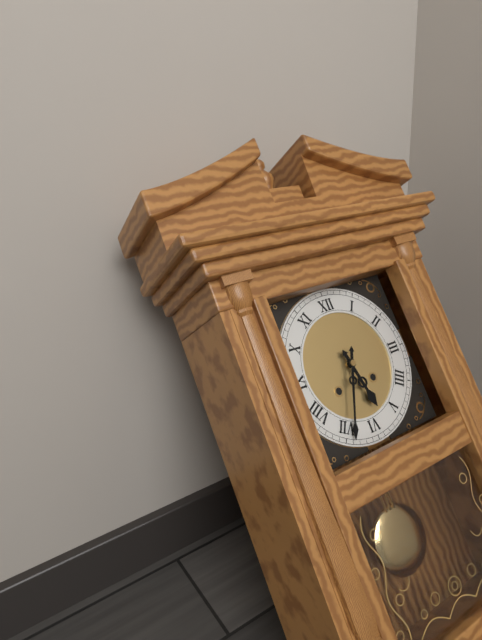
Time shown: **5:34**
